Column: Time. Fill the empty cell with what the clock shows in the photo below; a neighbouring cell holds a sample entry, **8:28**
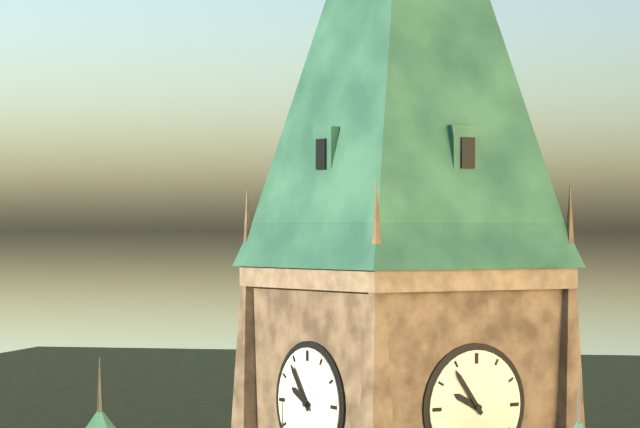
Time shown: **9:54**
